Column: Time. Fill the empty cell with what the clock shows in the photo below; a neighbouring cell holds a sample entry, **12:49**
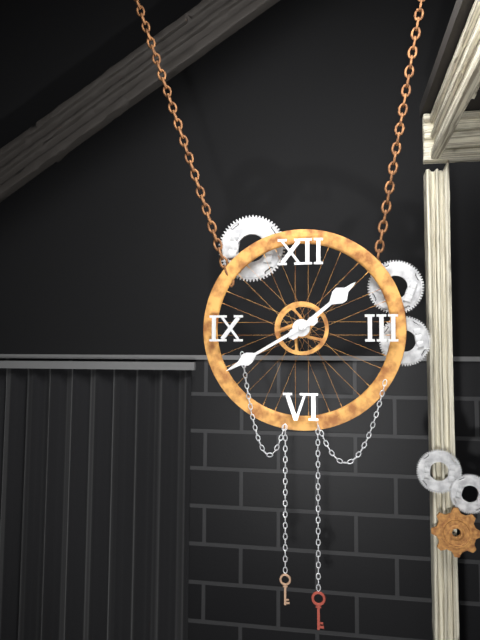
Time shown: **1:40**
